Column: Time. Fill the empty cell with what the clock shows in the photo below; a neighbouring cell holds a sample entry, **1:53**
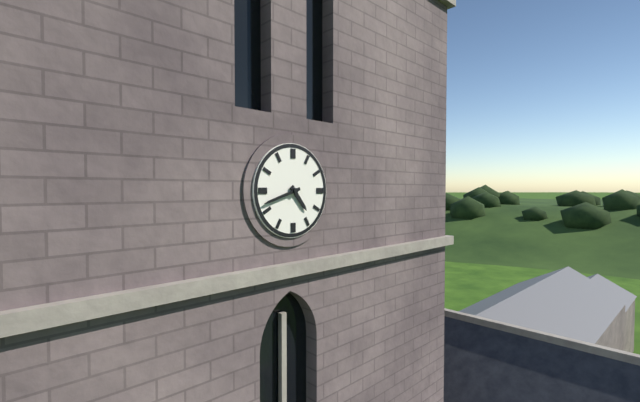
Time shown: **4:42**
